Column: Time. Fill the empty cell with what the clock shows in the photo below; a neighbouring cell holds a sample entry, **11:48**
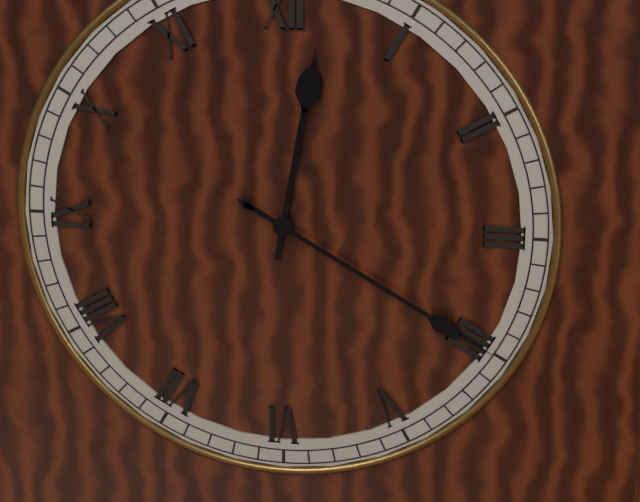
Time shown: **12:20**
